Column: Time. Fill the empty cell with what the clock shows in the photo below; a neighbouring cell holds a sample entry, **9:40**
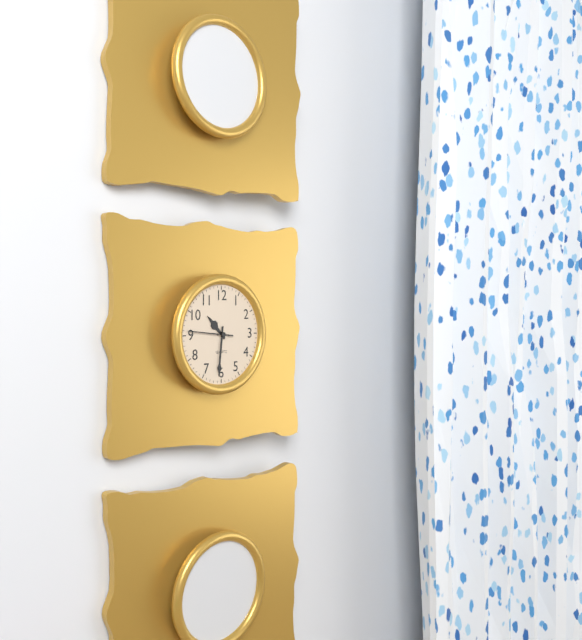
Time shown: **10:31**
